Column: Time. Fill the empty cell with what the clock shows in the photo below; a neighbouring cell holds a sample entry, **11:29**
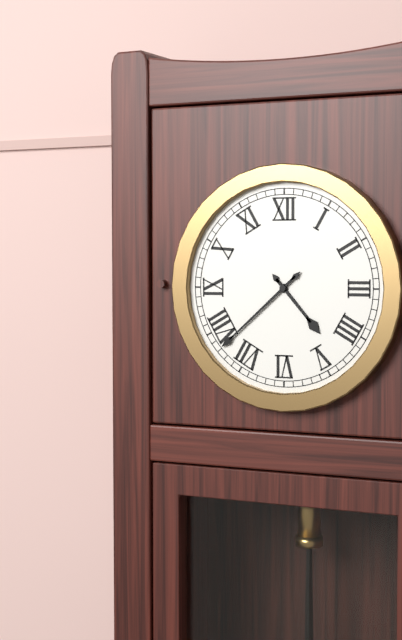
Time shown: **4:38**
